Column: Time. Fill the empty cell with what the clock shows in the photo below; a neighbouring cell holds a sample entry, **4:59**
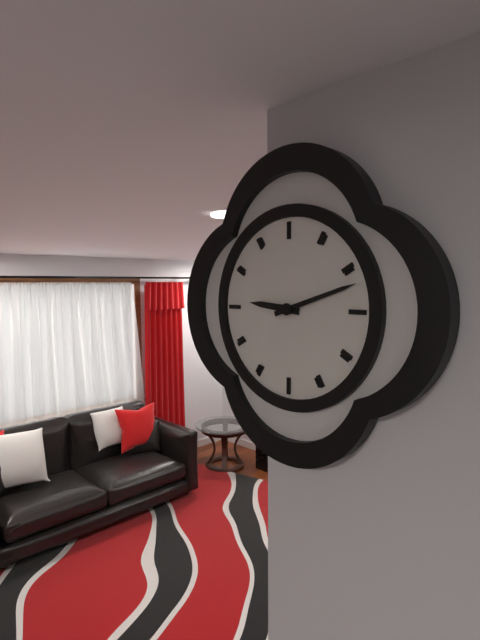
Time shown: **9:12**
